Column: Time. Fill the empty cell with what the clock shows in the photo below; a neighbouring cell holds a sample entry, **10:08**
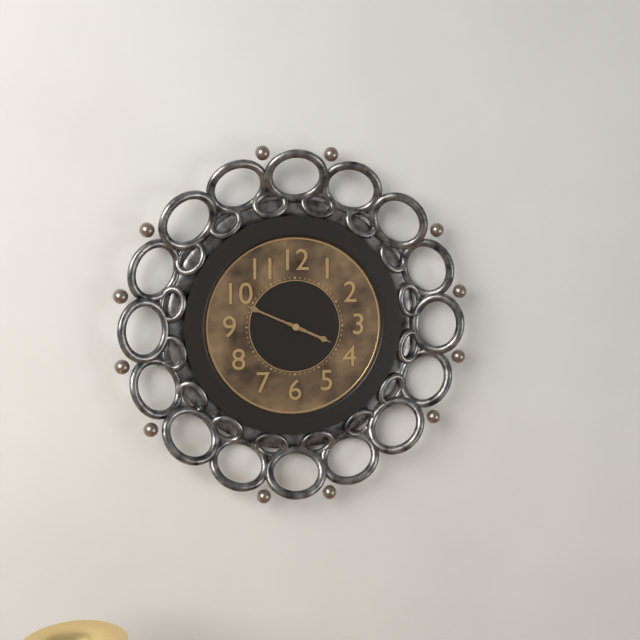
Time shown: **3:49**
